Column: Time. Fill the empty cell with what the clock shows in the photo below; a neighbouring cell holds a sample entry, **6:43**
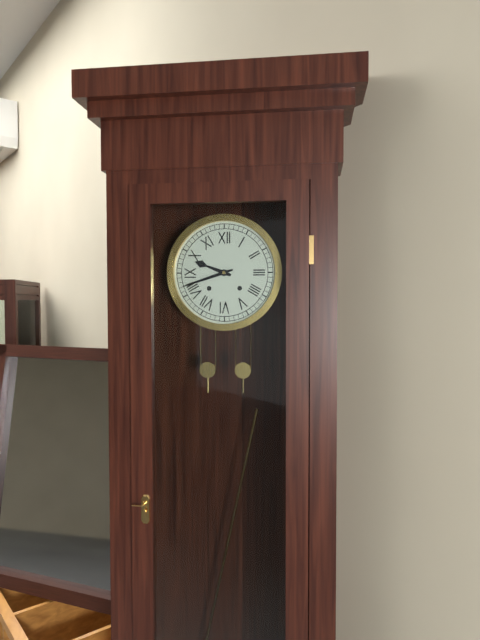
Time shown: **9:42**
